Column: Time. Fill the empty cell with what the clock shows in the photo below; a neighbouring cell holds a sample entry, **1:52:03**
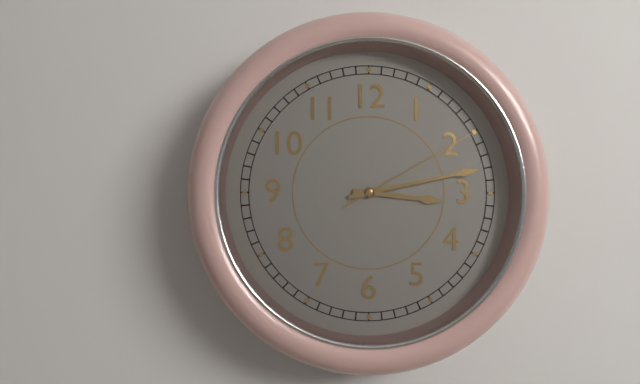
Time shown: **3:13:10**
